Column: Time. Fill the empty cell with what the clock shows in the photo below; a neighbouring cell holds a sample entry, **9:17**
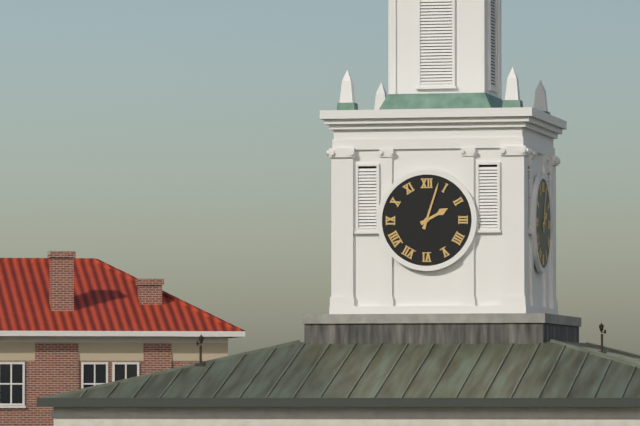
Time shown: **2:03**
